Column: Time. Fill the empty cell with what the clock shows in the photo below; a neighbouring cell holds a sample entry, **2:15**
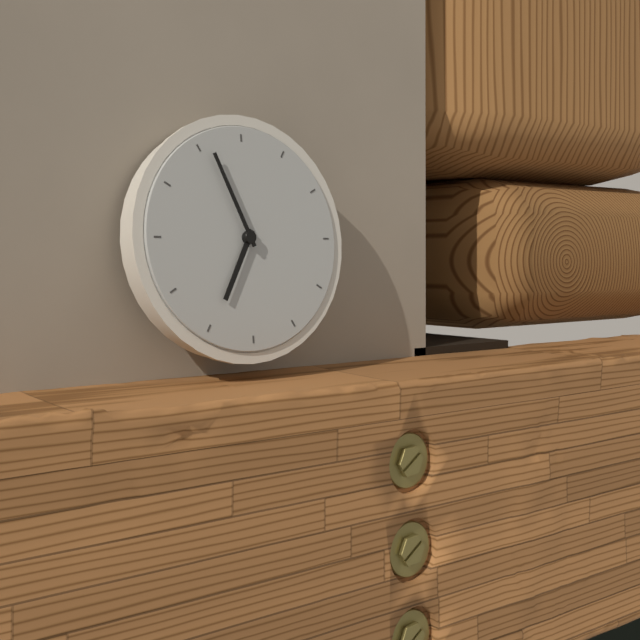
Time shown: **6:56**
